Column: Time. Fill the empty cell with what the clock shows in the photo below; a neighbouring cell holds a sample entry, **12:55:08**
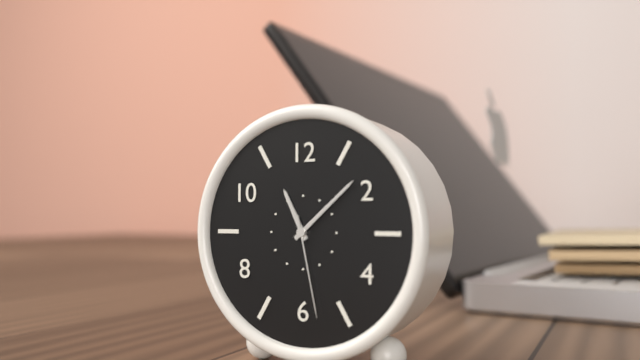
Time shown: **11:08:28**
